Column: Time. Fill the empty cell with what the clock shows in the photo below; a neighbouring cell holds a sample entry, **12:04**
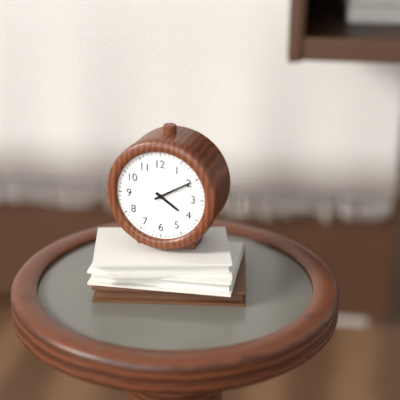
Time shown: **4:10**
